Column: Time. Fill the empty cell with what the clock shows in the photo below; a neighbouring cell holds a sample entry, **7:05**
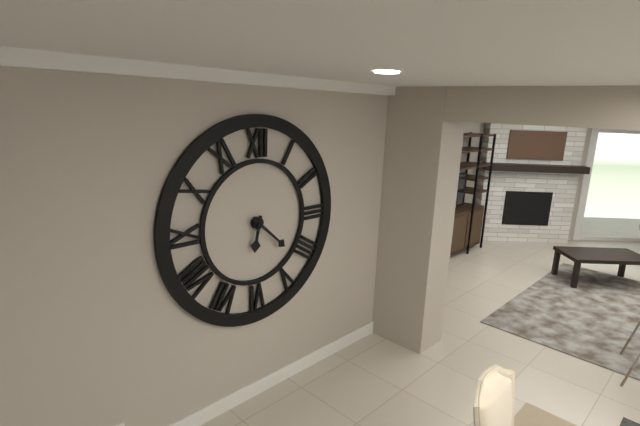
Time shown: **6:22**
